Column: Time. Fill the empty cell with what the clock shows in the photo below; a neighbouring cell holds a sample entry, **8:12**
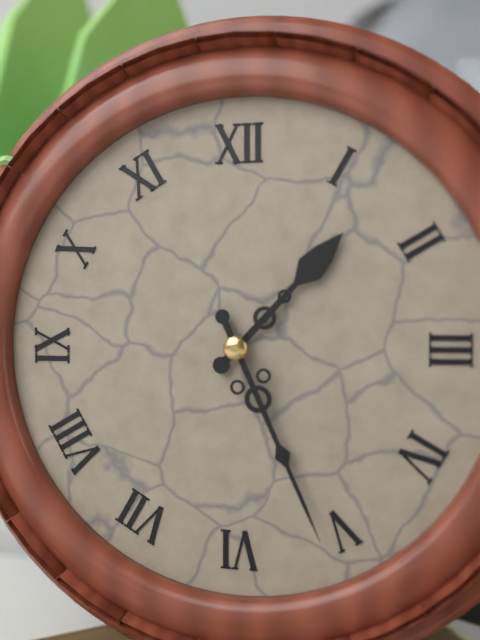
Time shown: **1:26**
